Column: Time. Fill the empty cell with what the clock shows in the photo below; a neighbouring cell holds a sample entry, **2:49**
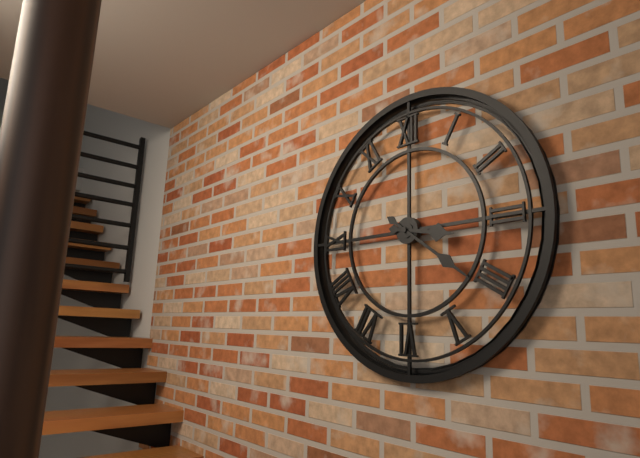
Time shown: **3:21**
